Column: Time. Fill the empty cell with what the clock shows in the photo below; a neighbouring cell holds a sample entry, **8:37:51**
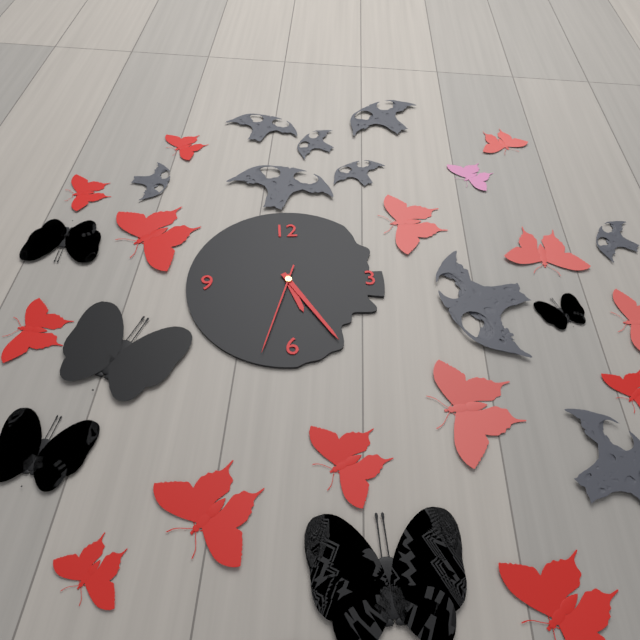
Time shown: **5:25:33**
